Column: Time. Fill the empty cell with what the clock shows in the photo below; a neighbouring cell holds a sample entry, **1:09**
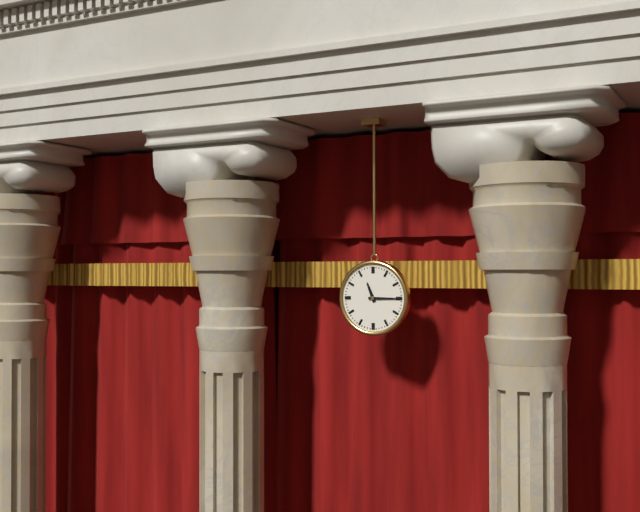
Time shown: **11:15**
